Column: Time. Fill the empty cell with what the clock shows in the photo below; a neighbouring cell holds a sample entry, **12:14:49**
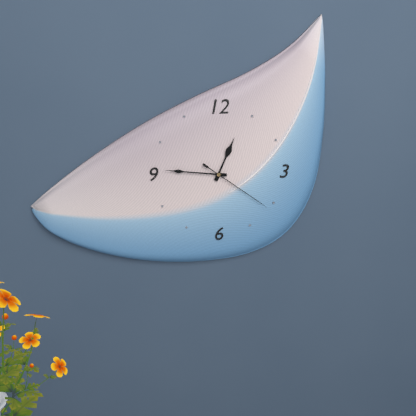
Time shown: **12:46:21**
